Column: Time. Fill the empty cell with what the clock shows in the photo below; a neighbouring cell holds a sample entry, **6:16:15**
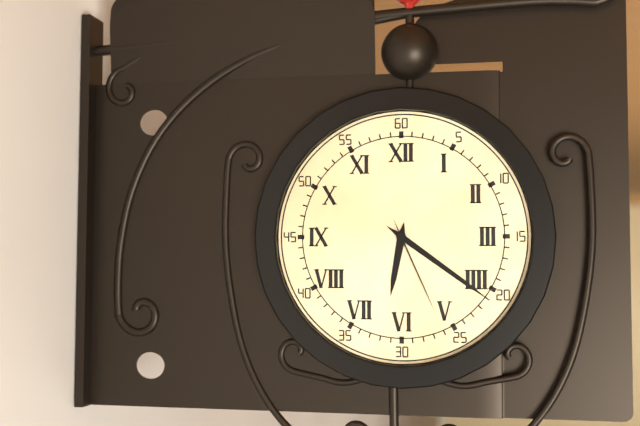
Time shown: **6:21:26**
